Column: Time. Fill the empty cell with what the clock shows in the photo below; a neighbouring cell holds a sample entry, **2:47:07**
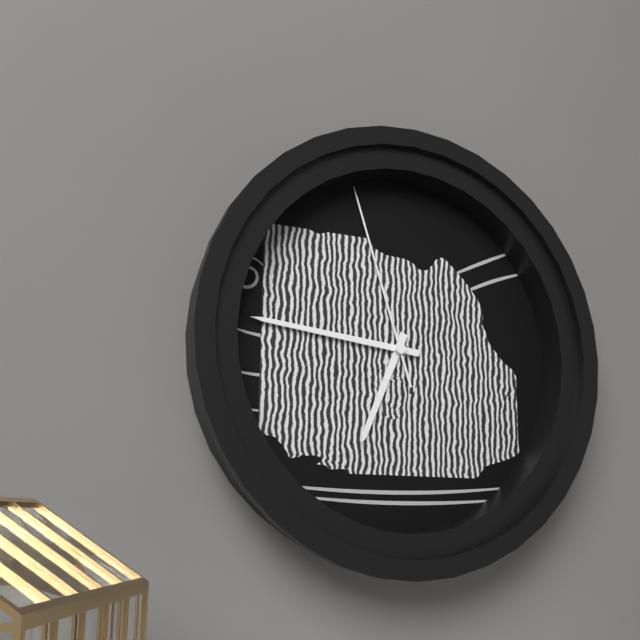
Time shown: **6:46:57**
